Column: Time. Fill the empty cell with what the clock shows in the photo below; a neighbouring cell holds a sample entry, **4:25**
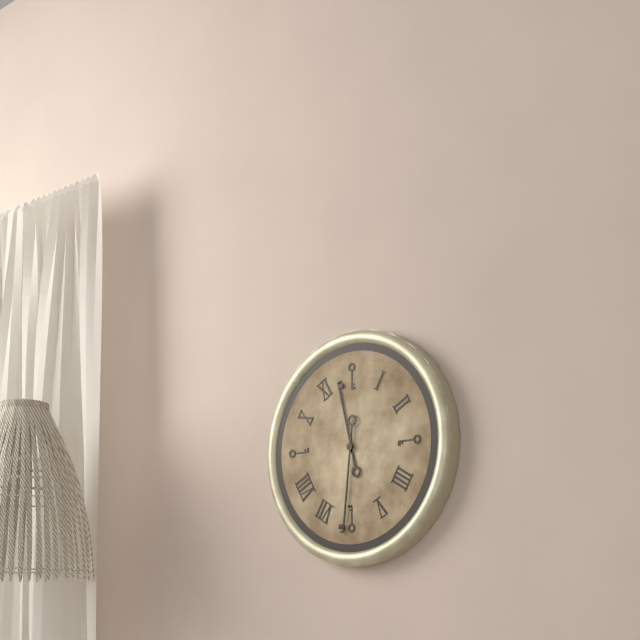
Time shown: **11:31**
